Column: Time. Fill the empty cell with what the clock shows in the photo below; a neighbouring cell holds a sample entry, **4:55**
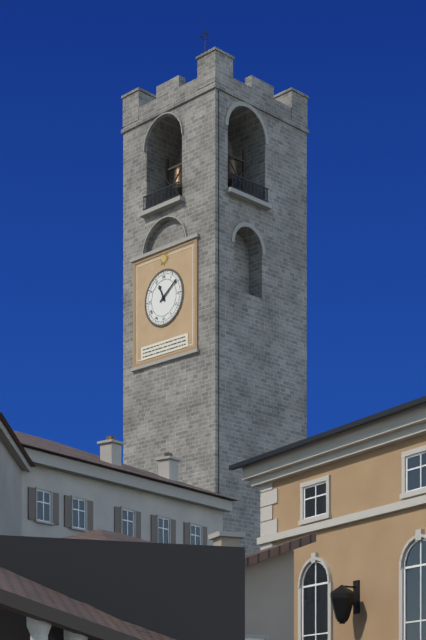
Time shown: **11:09**
